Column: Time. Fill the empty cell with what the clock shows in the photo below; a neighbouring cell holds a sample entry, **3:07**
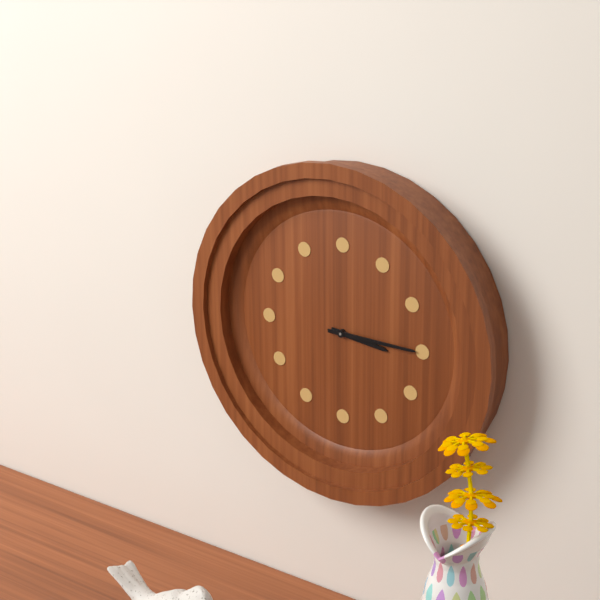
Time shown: **3:15**
